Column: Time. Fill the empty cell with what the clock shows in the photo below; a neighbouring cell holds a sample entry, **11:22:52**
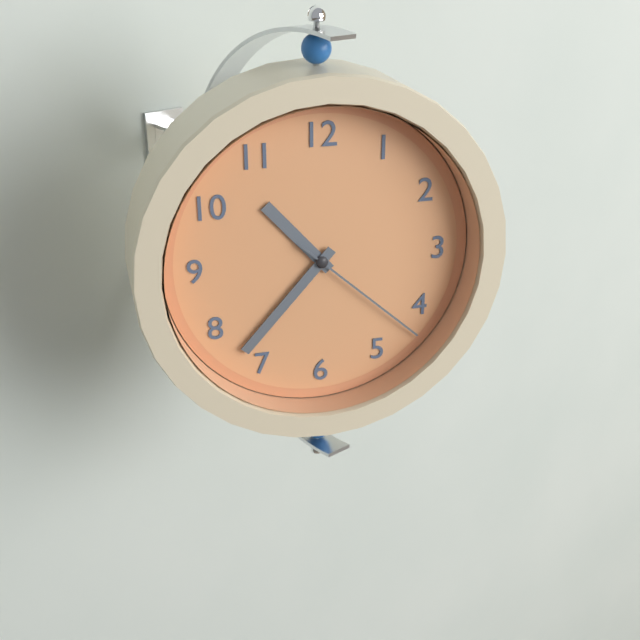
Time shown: **10:37:22**
